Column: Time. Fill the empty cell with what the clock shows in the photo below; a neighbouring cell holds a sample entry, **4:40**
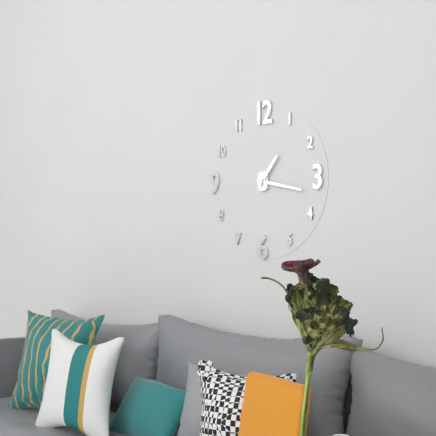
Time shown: **1:17**
